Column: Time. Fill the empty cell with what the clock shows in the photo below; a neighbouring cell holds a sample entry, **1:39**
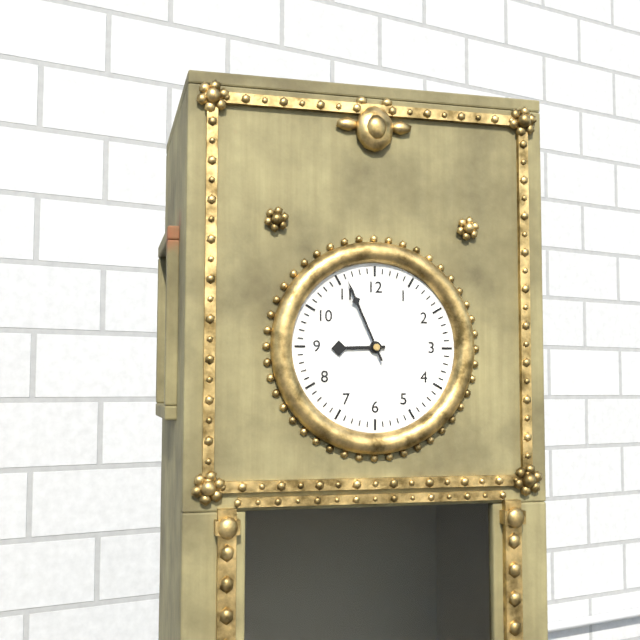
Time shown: **8:56**
